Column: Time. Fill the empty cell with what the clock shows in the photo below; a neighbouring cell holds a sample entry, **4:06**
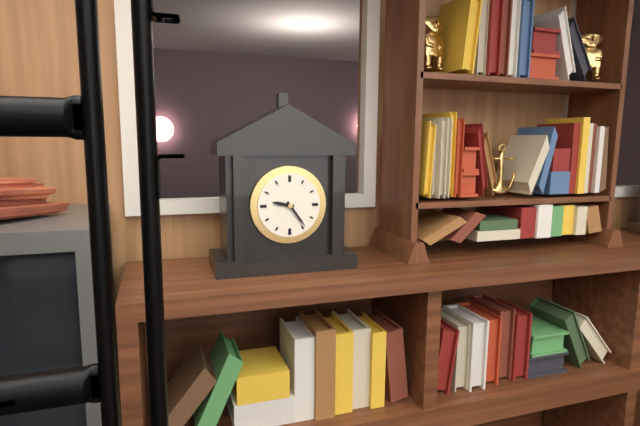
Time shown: **9:24**
